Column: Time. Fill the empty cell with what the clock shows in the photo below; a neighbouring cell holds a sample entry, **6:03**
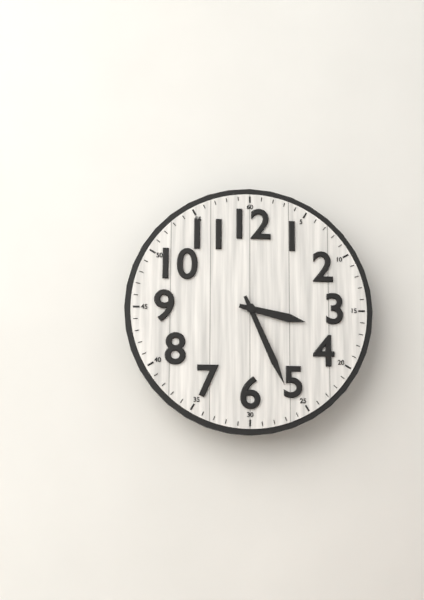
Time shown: **3:26**
